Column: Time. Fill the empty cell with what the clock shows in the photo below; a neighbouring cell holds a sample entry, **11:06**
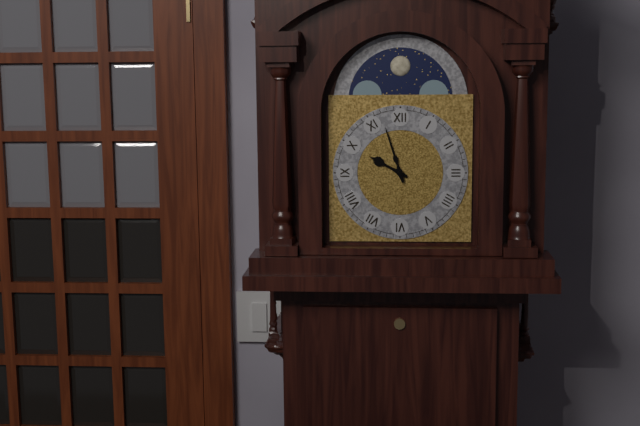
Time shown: **9:57**
